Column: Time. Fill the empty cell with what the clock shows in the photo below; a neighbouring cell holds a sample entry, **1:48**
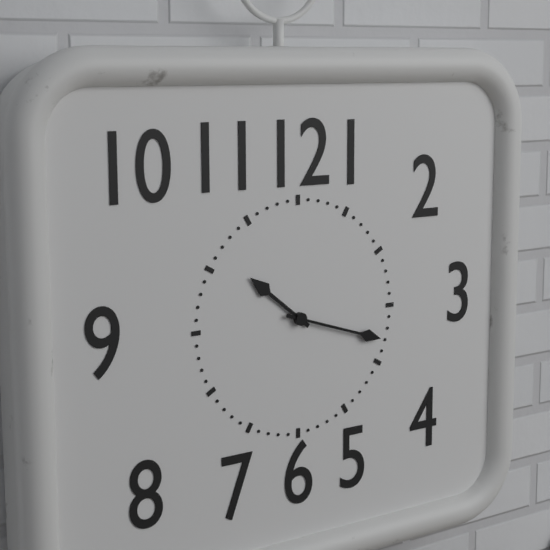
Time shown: **10:18**
